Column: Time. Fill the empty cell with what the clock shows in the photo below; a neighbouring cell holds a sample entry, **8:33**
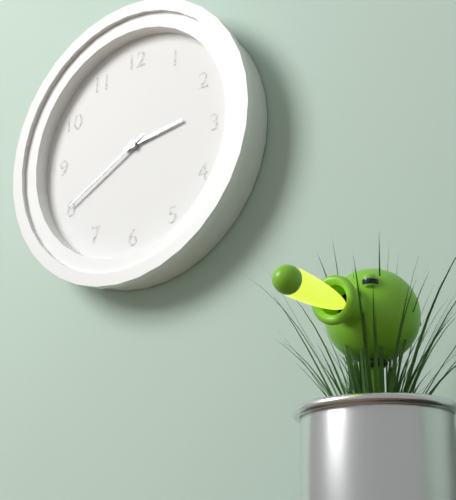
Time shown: **2:40**
